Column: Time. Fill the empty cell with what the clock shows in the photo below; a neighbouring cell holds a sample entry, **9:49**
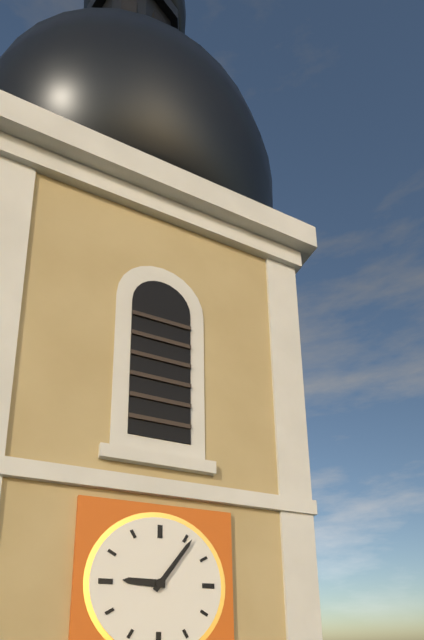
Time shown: **9:06**
